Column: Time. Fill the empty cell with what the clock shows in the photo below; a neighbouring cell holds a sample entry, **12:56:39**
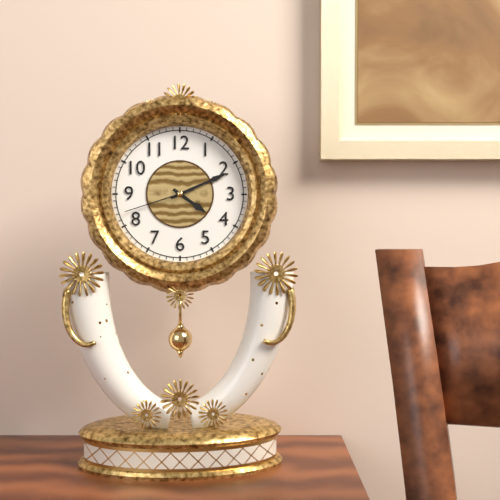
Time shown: **4:11:42**
